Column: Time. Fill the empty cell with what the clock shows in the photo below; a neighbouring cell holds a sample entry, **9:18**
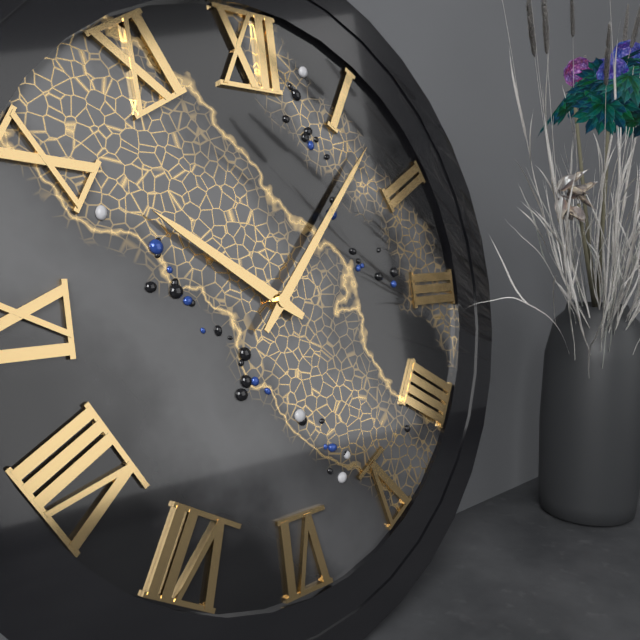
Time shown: **10:07**
